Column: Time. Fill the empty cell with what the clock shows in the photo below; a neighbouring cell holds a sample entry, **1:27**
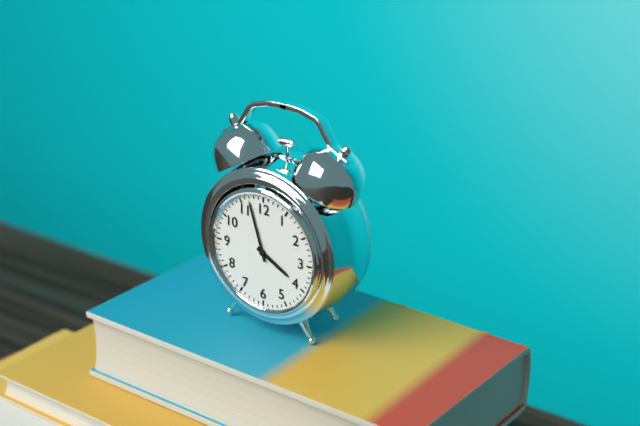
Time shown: **3:57**
